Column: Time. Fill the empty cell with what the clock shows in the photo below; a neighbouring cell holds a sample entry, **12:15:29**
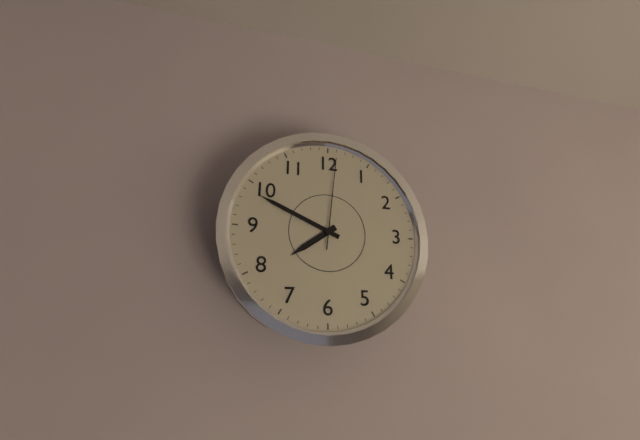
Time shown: **7:49:01**
